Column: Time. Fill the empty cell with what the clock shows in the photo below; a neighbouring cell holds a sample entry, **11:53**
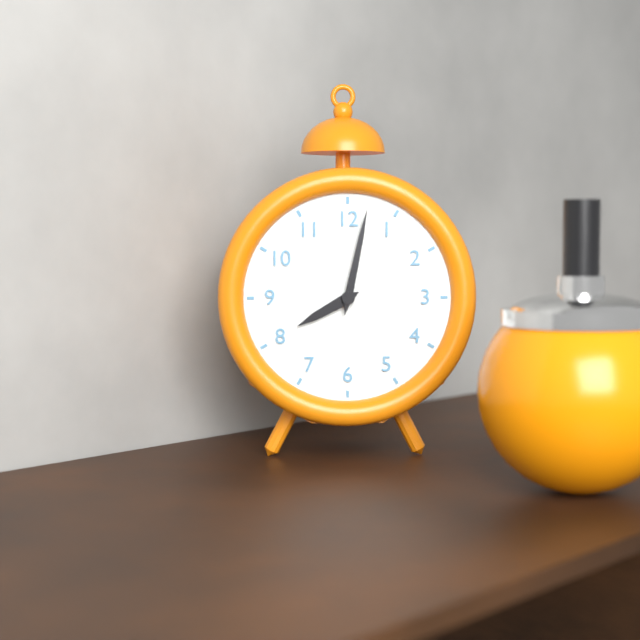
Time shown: **8:02**
